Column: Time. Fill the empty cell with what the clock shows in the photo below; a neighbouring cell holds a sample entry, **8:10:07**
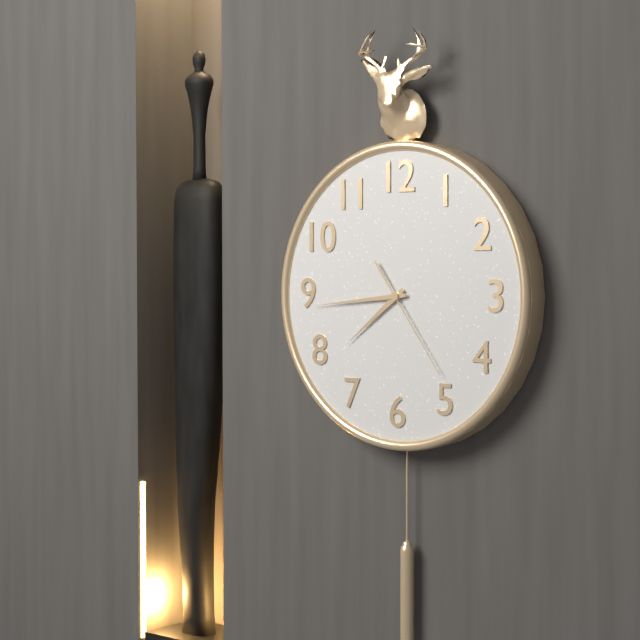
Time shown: **7:44:24**
